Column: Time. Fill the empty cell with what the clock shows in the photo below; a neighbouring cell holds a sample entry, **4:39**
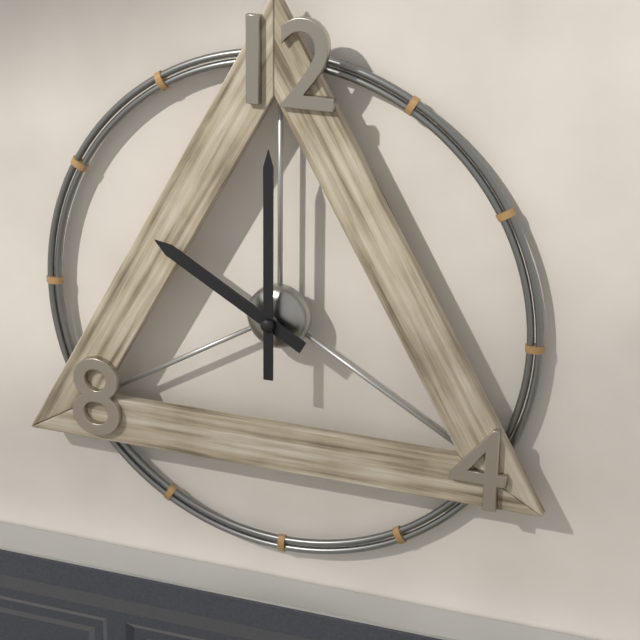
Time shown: **10:00**
